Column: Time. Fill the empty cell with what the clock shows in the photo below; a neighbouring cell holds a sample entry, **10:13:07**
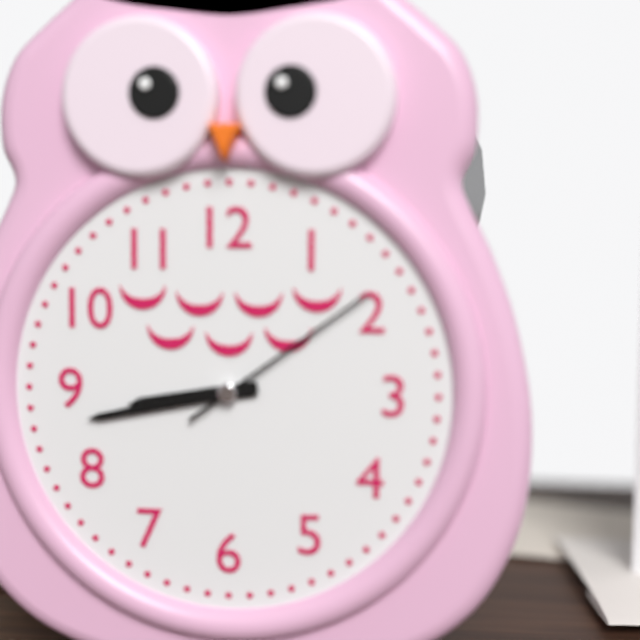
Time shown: **8:43:09**
